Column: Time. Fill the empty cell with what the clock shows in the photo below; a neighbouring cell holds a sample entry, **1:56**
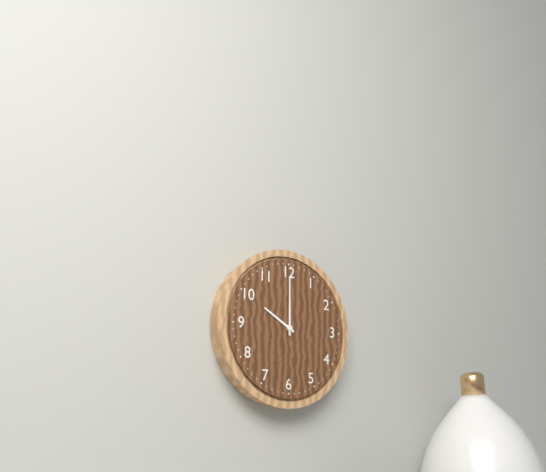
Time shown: **10:00**
